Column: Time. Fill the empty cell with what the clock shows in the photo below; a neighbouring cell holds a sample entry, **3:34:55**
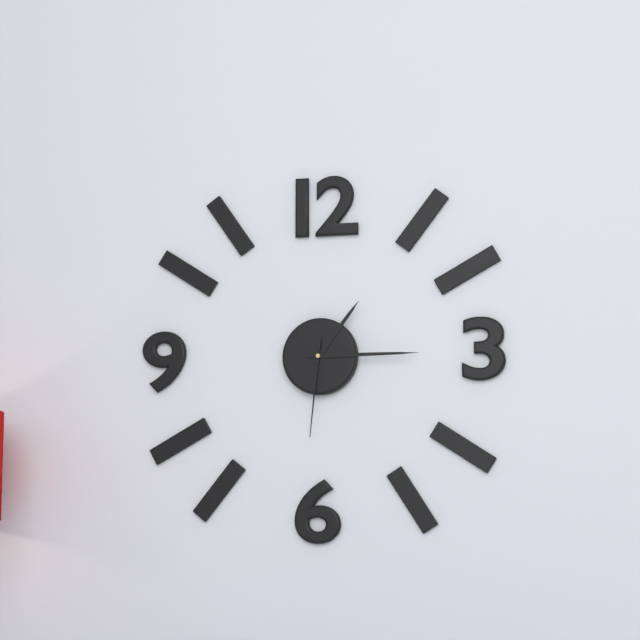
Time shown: **1:15:31**
